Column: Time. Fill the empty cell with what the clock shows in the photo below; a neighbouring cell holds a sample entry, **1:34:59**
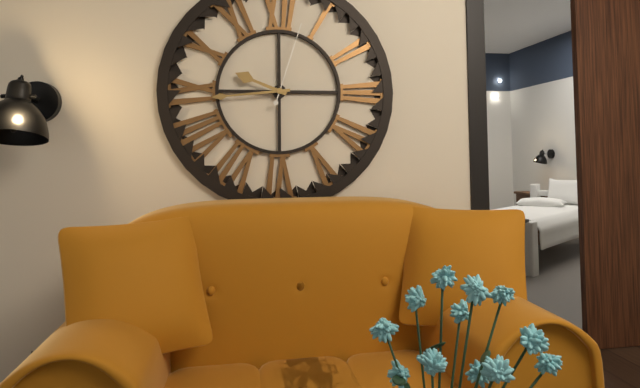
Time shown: **9:44:03**
